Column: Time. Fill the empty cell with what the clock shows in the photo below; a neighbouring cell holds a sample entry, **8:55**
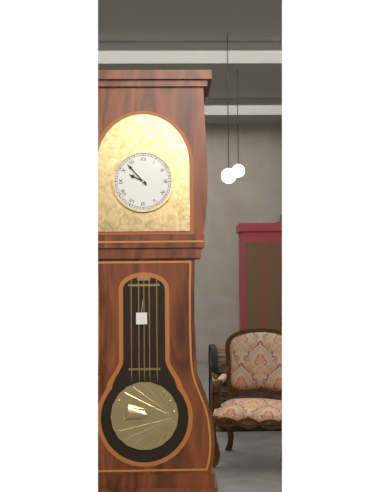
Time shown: **9:53**
